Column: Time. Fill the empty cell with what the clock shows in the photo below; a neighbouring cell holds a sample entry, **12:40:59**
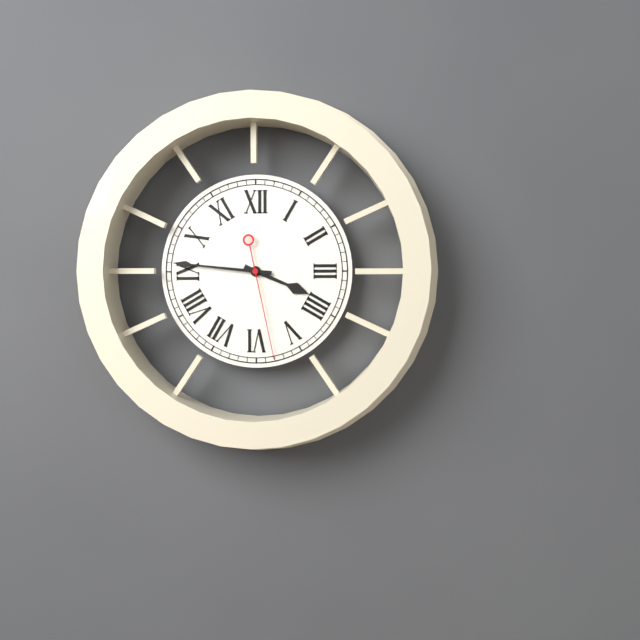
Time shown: **3:46:28**
